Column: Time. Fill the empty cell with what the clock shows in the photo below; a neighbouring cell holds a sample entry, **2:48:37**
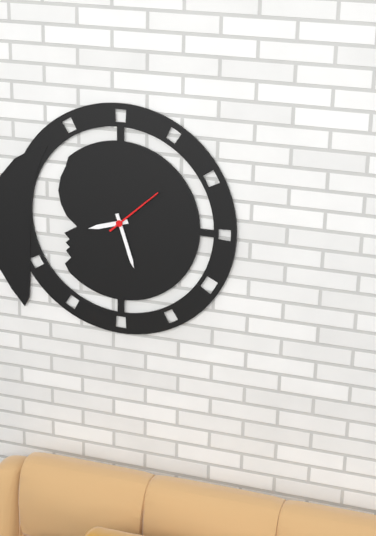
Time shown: **8:27:08**
